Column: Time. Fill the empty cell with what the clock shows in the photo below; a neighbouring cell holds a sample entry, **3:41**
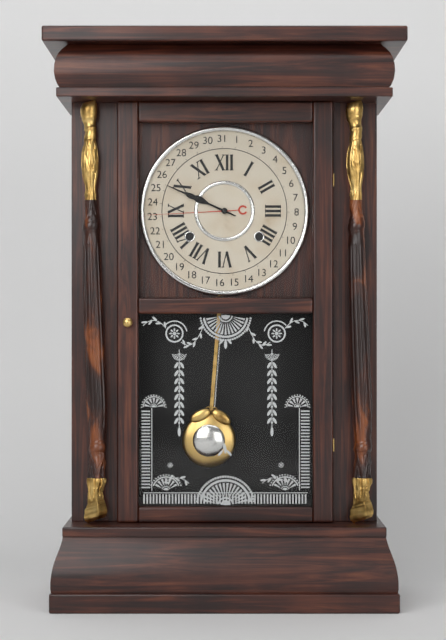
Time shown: **9:49**
